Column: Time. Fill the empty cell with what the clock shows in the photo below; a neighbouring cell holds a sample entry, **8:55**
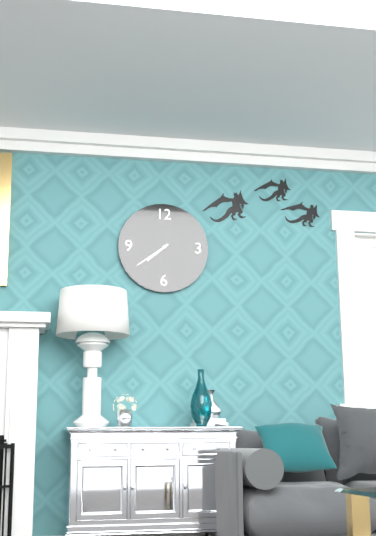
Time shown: **7:39**
